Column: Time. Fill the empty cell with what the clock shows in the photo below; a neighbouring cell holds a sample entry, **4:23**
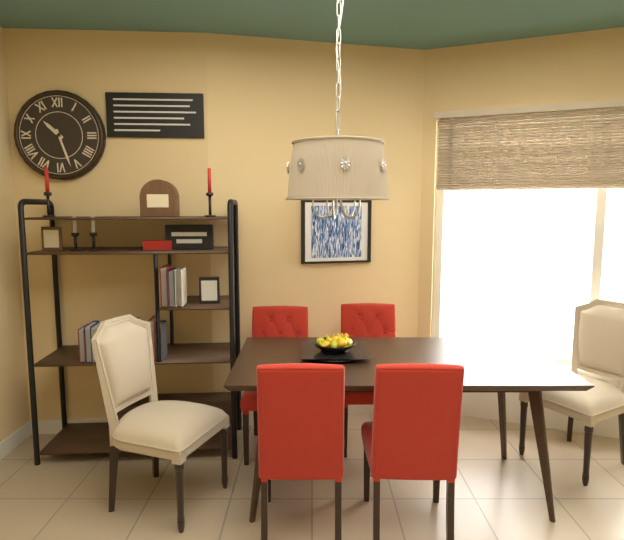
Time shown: **10:27**
